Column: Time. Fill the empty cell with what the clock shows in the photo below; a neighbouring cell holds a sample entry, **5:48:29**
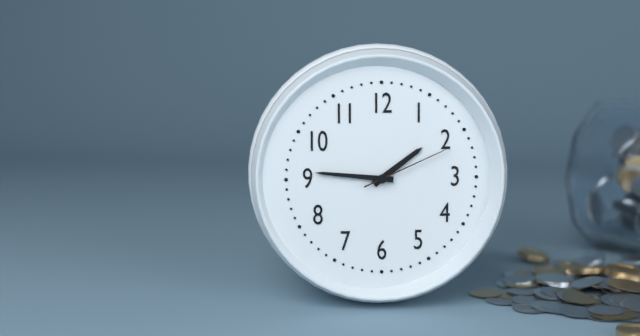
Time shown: **1:46:11**
